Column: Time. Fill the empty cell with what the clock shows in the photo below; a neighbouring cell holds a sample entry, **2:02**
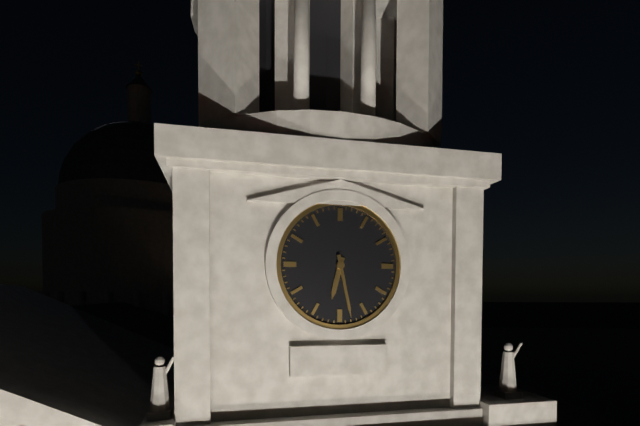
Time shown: **6:28**
